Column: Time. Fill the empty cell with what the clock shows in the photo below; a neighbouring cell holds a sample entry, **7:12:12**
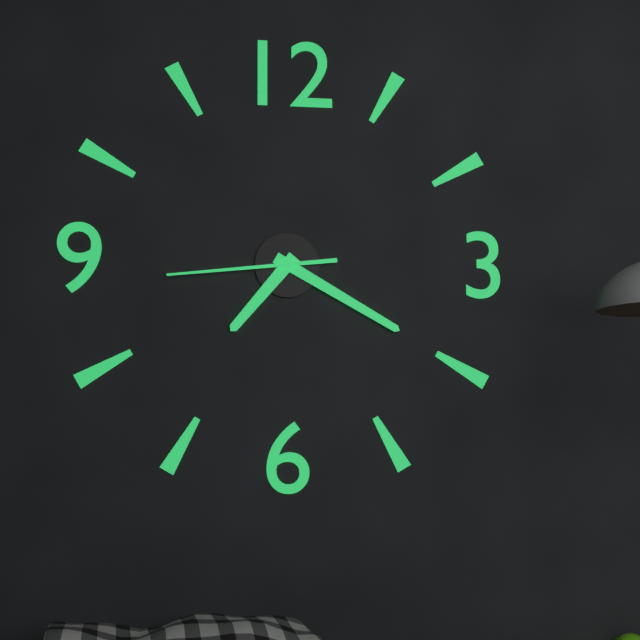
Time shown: **7:20:44**
